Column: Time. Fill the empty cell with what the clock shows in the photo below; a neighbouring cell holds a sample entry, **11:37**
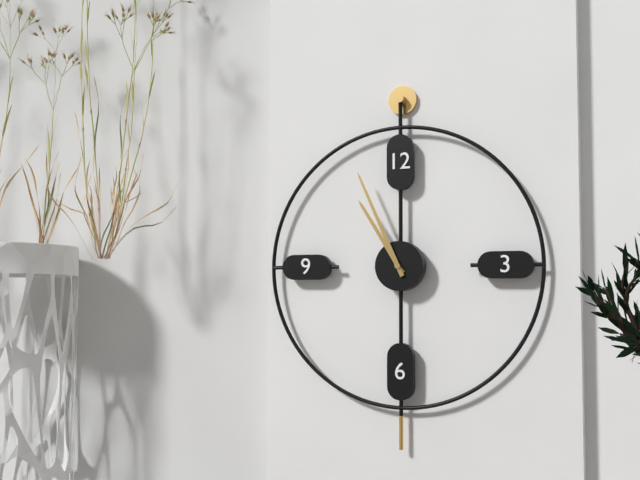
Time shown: **10:56**
